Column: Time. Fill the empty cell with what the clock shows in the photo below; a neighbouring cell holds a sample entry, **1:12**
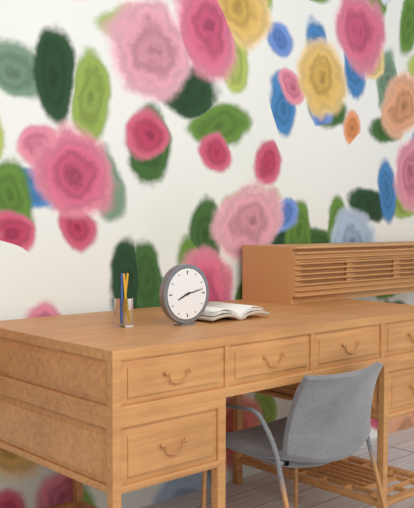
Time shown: **8:13**
